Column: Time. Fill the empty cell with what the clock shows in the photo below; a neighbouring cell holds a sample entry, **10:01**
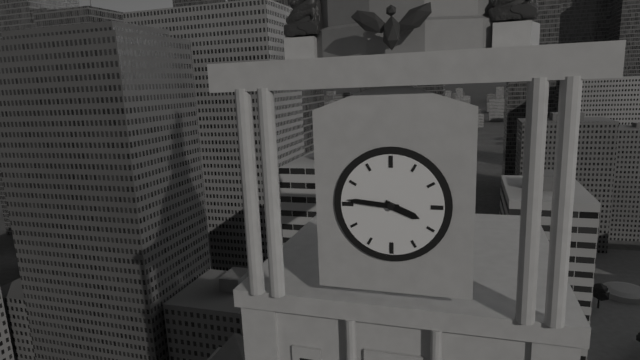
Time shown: **3:46**
